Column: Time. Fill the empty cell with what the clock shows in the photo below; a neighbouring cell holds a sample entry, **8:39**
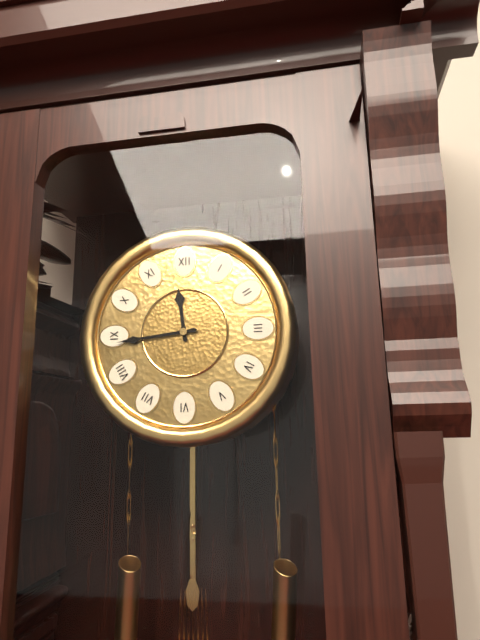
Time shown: **11:44**
